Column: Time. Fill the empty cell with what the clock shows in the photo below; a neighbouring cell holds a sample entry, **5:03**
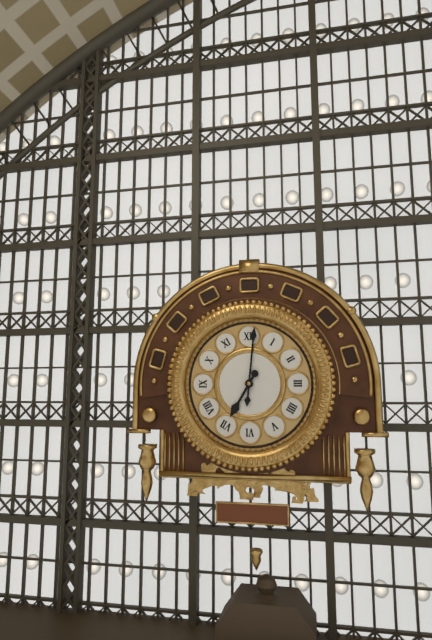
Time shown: **7:01**
